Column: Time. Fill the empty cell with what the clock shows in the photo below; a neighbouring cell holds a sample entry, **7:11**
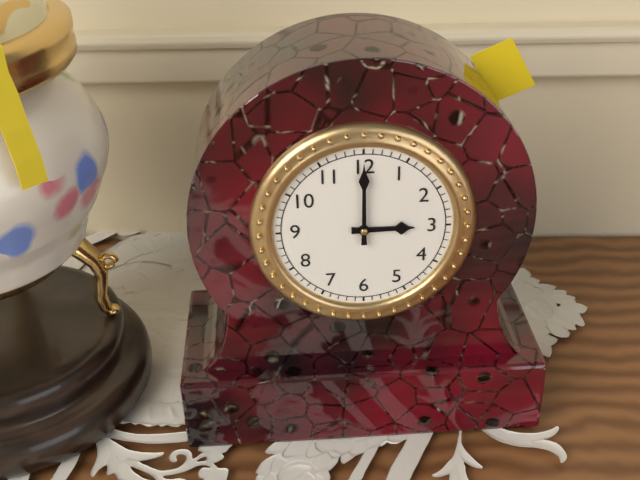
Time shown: **3:00**
